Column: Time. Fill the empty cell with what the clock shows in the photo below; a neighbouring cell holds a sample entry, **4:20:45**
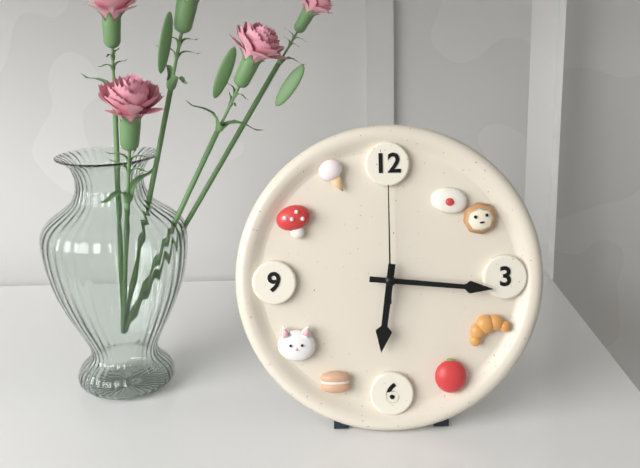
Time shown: **6:16:00**
